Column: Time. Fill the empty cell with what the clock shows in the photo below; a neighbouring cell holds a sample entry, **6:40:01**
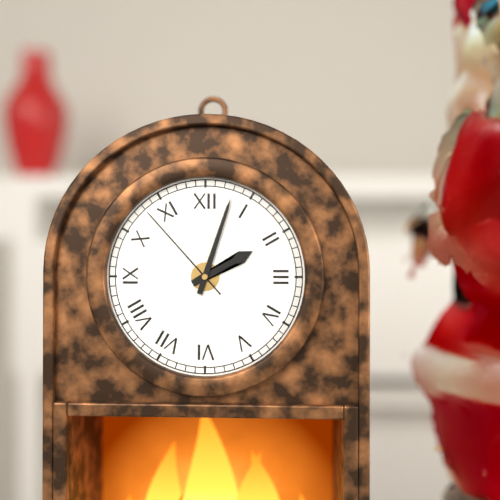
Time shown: **2:03:53**
